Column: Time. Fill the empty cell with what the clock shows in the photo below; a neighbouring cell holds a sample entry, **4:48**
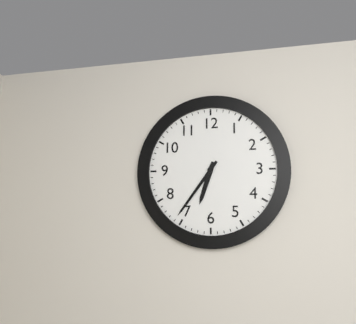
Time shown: **6:36**
